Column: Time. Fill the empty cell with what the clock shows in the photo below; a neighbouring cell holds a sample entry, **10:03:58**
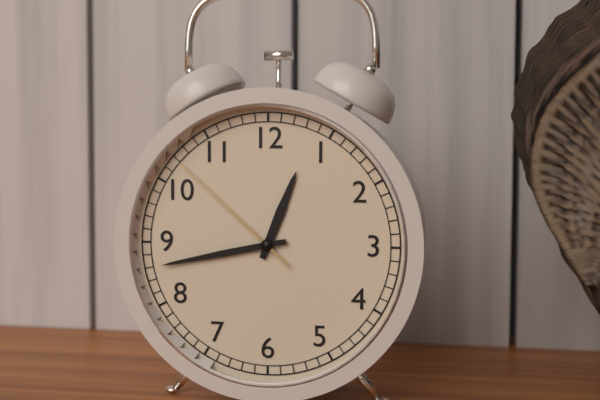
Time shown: **12:43:52**
